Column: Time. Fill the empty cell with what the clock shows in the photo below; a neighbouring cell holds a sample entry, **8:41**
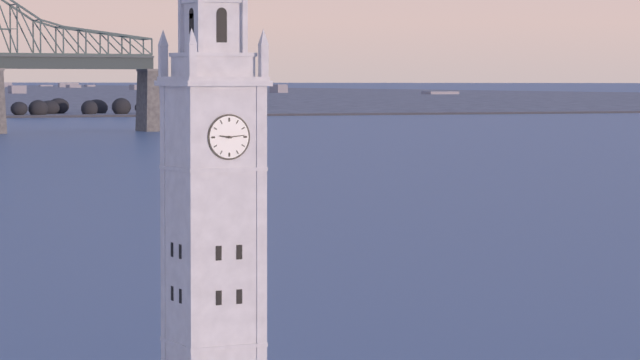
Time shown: **9:14**
